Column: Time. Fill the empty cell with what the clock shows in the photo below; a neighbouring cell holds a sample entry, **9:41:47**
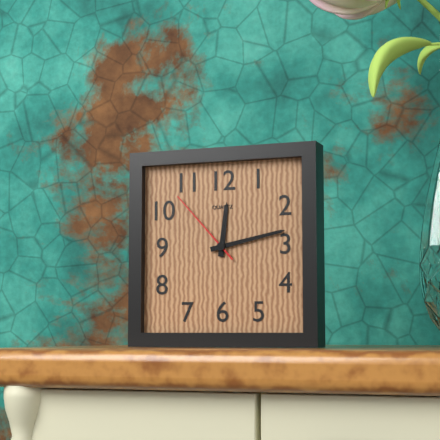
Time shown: **12:13:53**
